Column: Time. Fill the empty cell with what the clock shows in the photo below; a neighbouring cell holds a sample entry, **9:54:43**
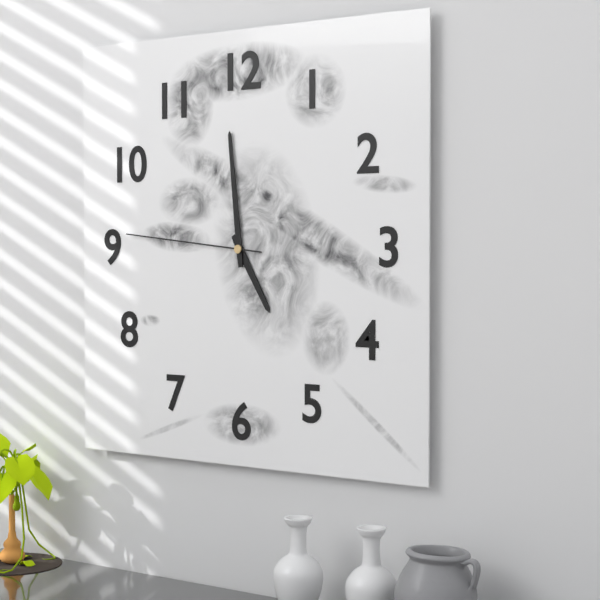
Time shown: **4:59:46**
